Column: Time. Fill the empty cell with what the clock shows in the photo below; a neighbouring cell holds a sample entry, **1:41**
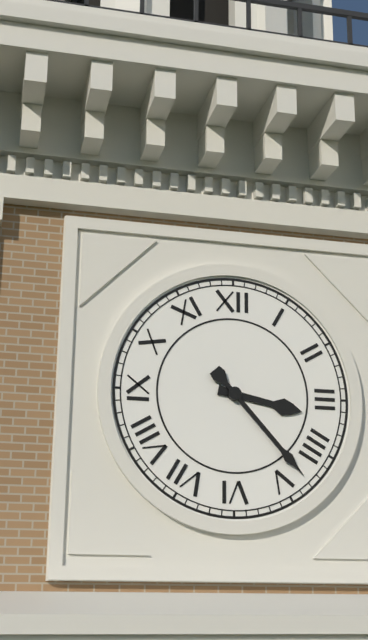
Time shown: **3:23**
